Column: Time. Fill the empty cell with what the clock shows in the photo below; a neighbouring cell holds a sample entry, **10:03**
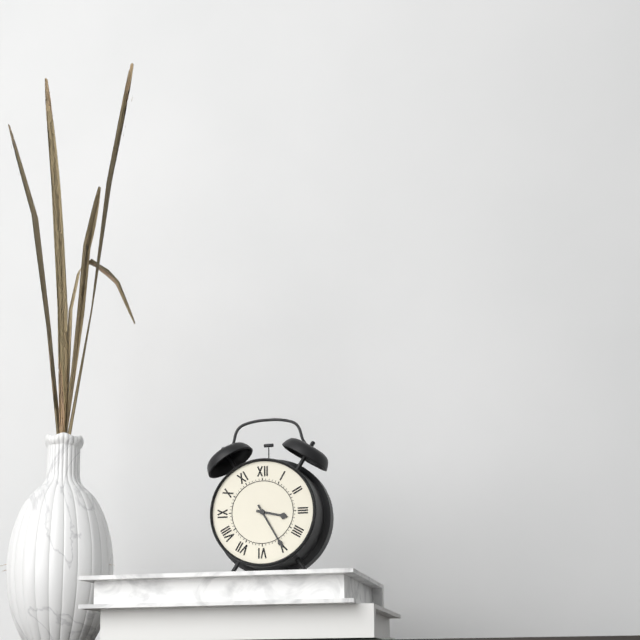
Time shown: **3:25**
